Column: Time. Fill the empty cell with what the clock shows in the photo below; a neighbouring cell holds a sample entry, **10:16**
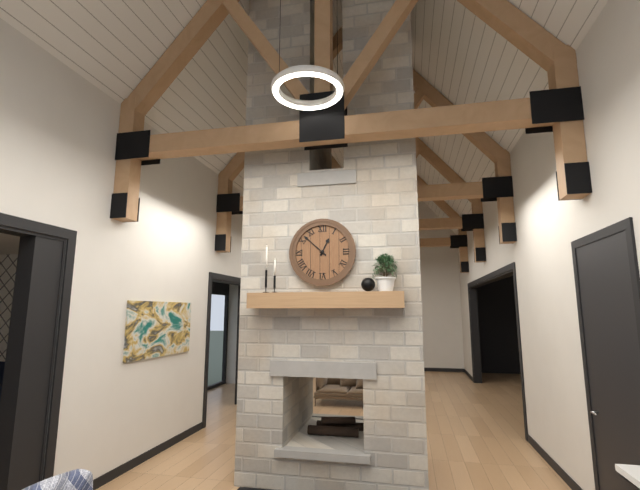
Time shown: **12:52**
